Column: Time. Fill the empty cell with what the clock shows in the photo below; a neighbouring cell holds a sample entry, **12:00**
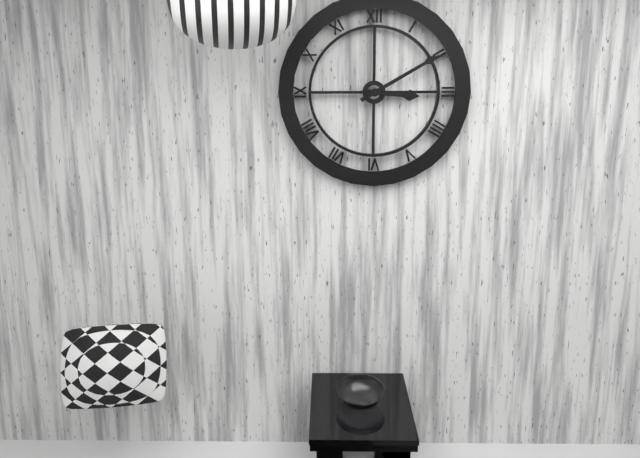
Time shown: **3:10**
